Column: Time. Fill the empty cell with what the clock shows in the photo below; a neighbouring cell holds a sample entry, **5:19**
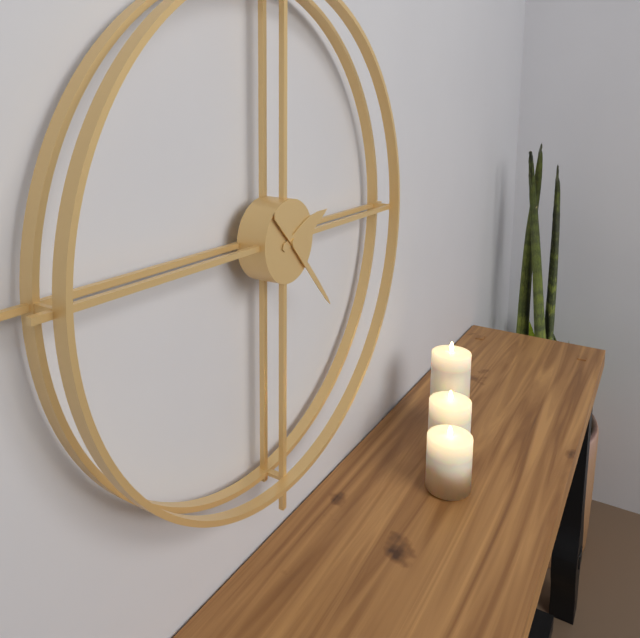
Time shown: **2:23**
